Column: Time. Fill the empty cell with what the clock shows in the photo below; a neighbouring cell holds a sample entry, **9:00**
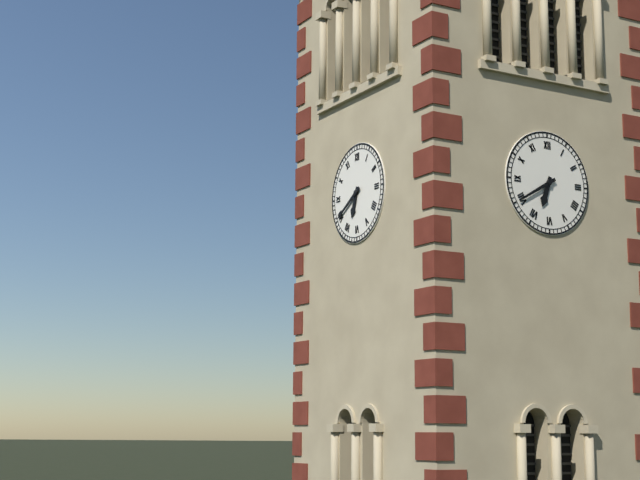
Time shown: **6:40**
